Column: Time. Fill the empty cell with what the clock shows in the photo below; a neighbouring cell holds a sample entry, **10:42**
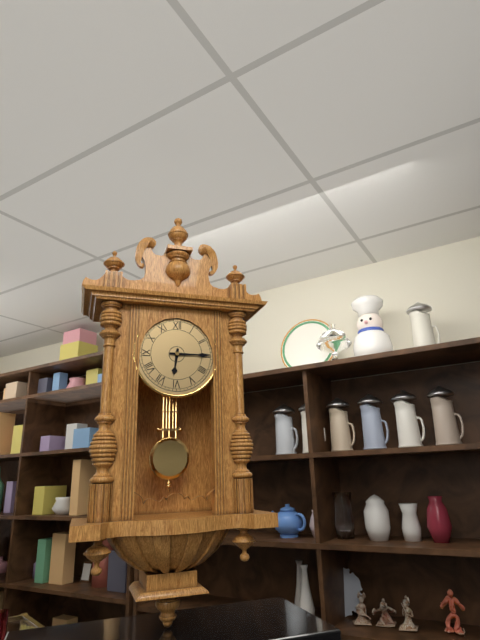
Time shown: **6:15**
